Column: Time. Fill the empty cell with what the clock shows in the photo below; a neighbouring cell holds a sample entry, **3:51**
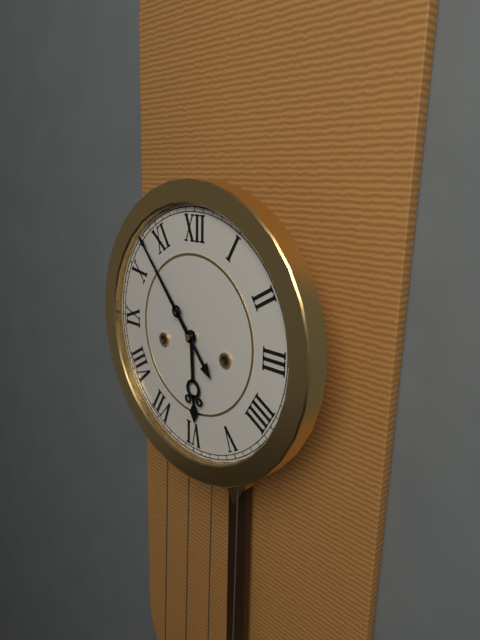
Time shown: **5:53**
